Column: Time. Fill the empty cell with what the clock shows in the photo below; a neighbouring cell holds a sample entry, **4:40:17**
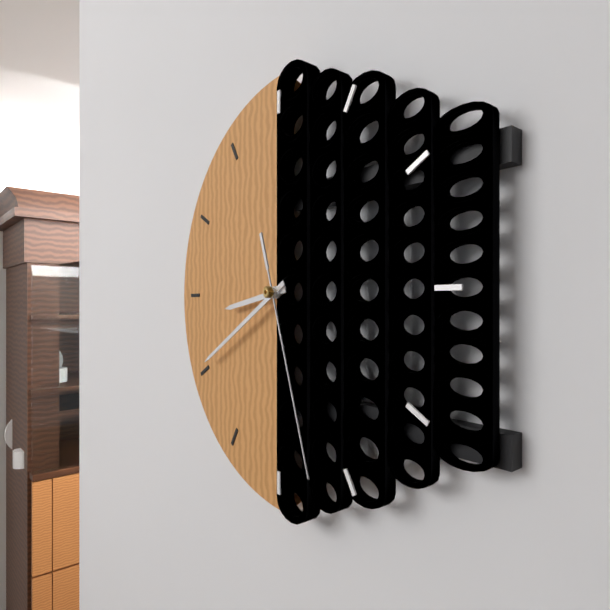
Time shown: **8:40:27**
